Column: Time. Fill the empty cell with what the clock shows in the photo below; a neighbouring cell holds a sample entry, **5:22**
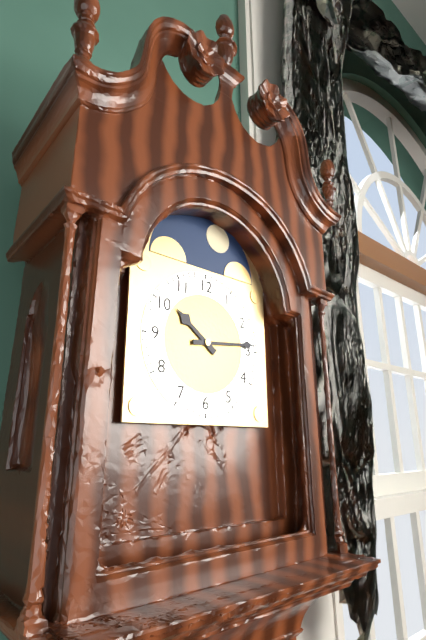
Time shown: **10:14**
